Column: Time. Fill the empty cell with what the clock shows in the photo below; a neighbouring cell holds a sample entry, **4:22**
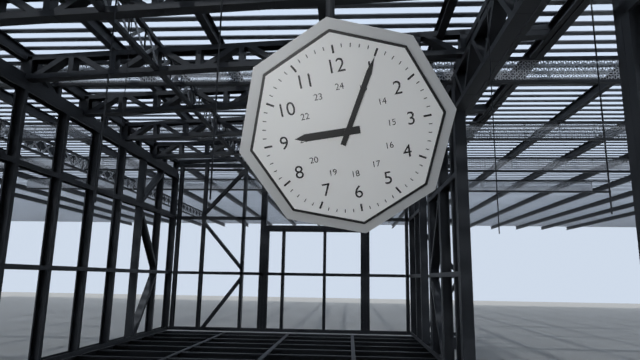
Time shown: **9:05**
